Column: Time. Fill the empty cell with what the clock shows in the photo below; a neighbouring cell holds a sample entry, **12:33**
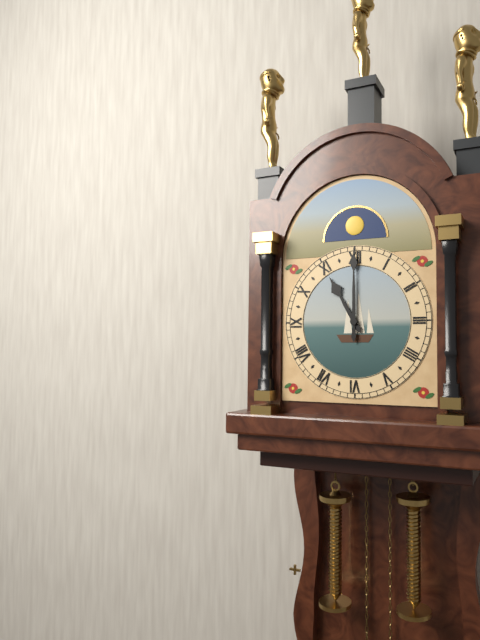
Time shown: **11:00**
